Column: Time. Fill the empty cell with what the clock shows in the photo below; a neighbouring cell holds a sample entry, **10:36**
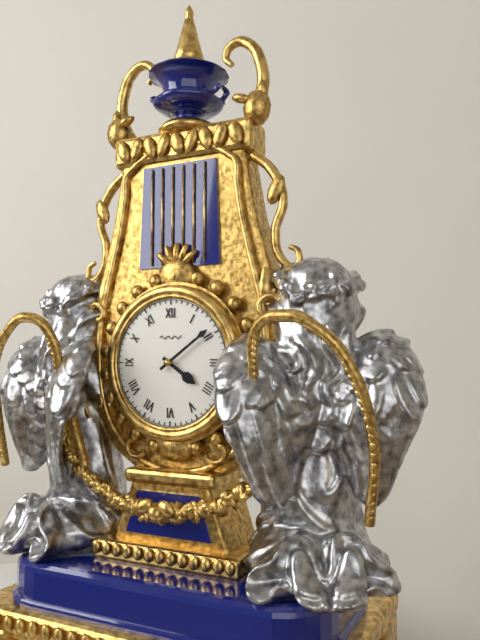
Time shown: **4:09**
